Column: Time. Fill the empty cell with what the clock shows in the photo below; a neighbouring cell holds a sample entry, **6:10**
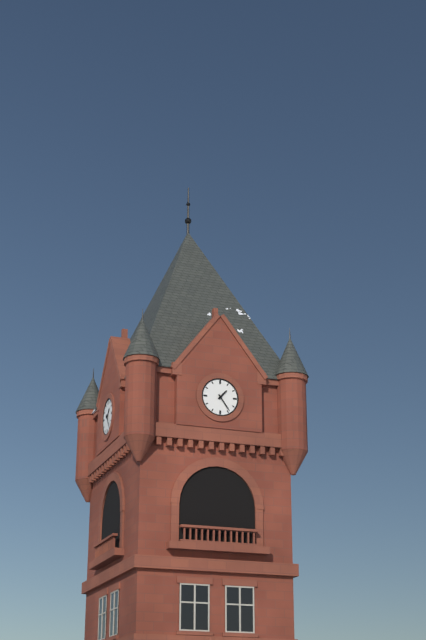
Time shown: **1:24**
